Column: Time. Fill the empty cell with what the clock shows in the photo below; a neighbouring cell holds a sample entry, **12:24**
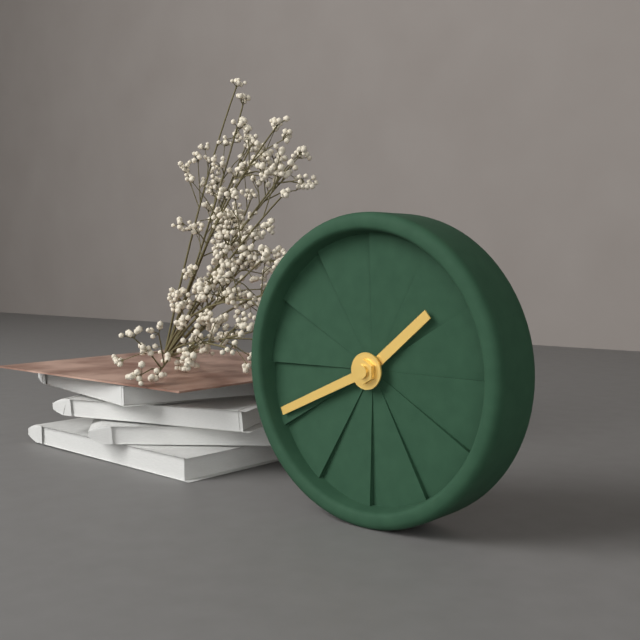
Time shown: **1:41**
